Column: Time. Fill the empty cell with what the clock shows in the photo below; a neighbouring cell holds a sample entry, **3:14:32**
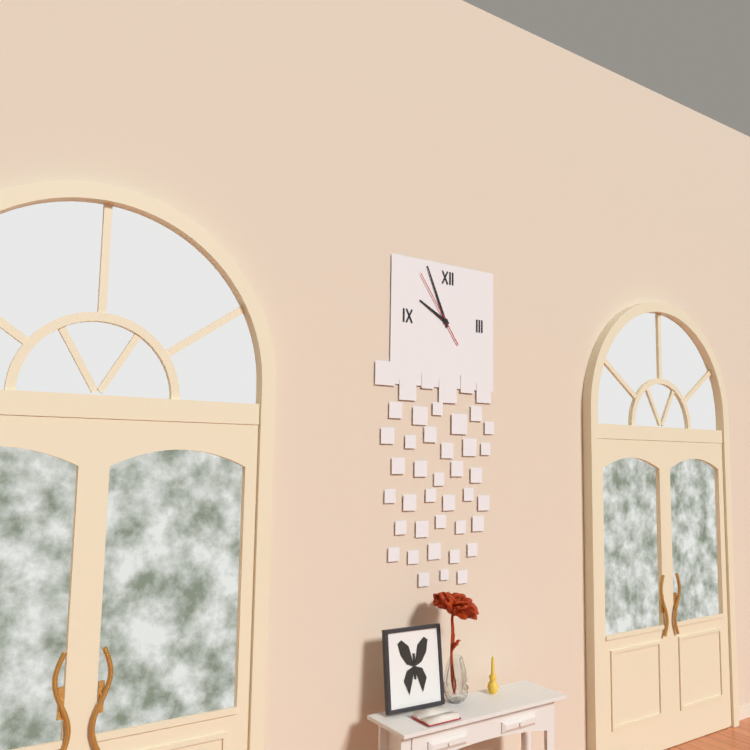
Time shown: **9:56:54**
